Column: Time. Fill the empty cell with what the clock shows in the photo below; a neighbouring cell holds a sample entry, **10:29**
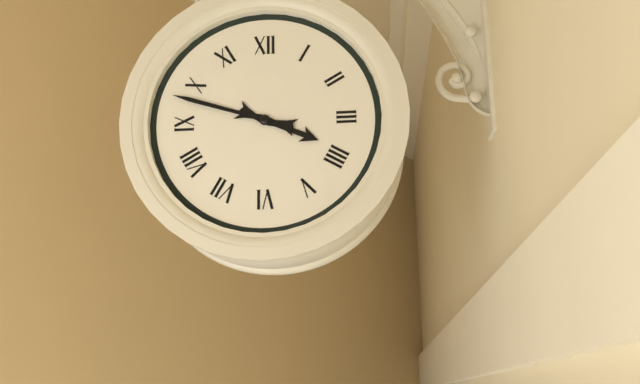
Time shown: **3:48**
